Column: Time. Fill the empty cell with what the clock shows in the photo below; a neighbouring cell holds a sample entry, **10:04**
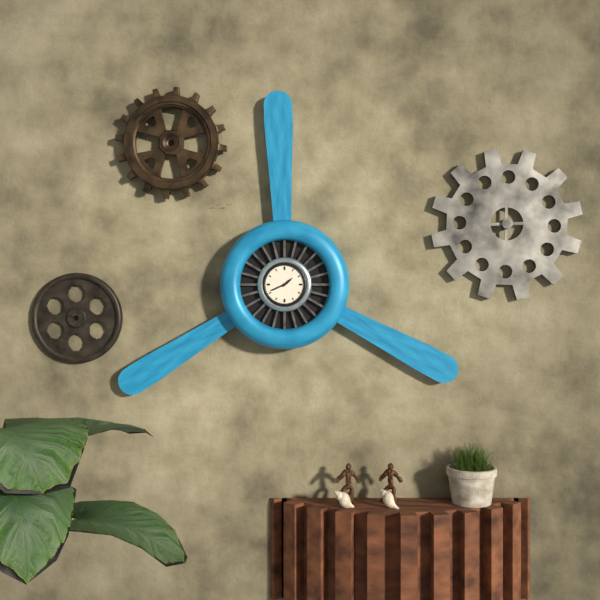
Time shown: **1:41**
